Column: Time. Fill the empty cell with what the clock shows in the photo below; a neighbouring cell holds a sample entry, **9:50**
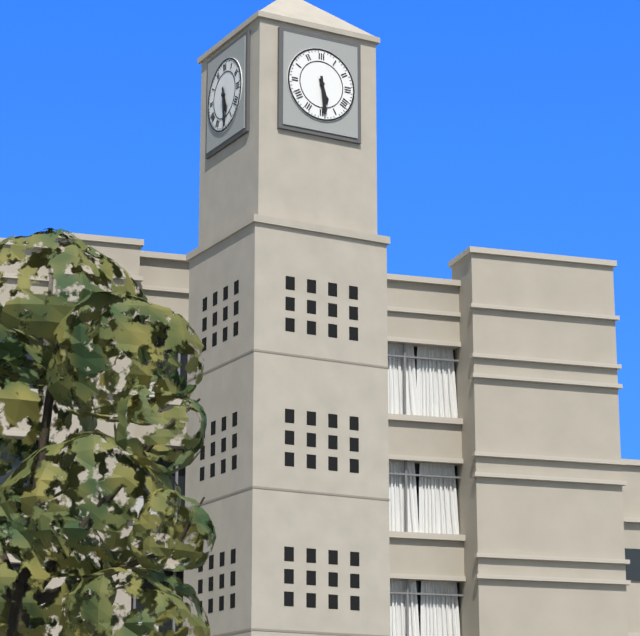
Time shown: **5:29**
